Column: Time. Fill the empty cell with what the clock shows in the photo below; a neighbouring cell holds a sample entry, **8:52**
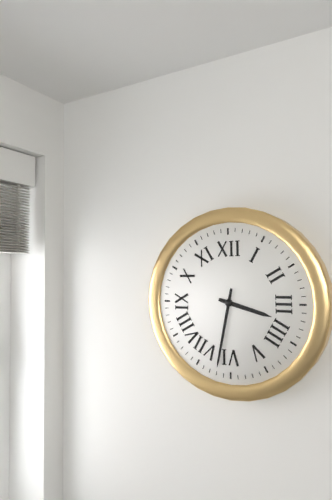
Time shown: **3:32**
